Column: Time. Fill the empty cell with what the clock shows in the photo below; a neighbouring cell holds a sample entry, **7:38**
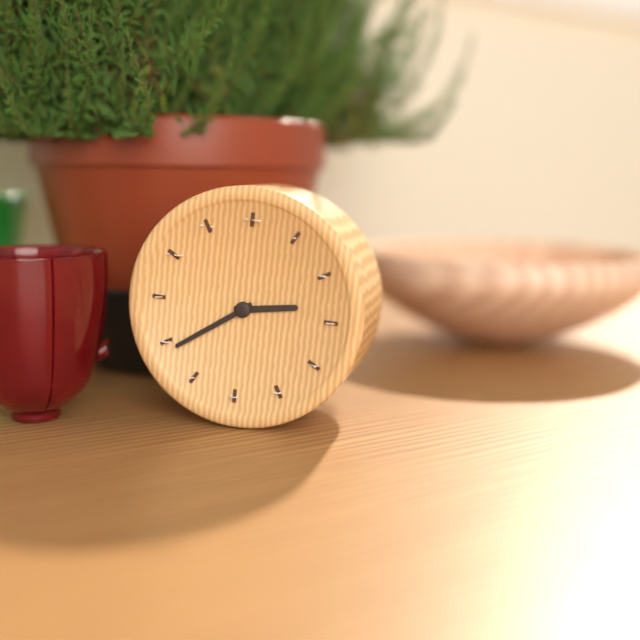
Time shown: **2:39**
